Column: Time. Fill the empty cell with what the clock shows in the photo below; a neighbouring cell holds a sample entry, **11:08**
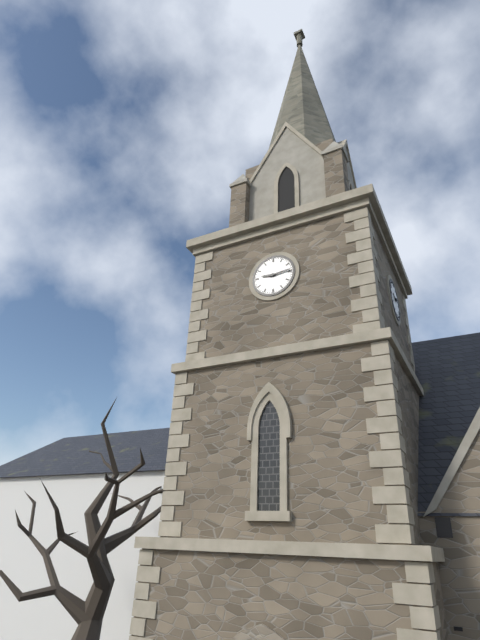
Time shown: **9:14**
